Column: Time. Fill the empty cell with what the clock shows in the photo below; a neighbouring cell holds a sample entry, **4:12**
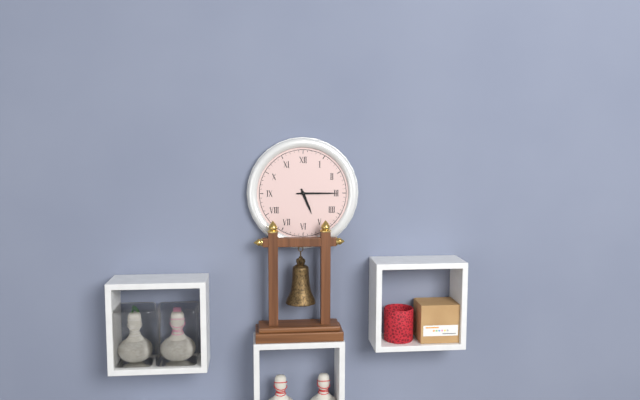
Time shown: **5:15**
